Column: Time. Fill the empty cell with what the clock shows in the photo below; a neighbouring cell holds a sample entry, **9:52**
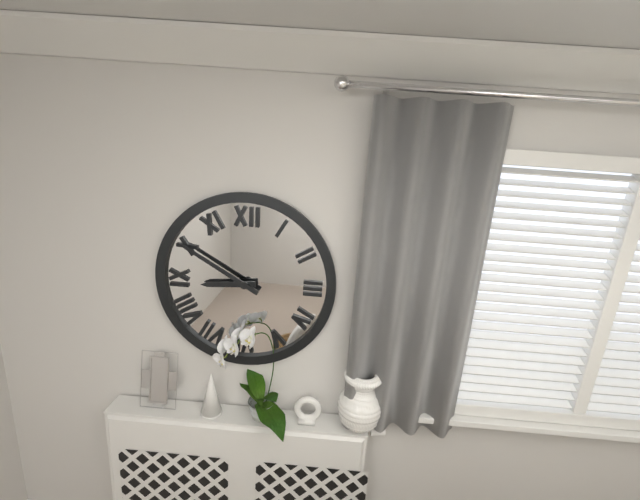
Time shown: **8:50**
